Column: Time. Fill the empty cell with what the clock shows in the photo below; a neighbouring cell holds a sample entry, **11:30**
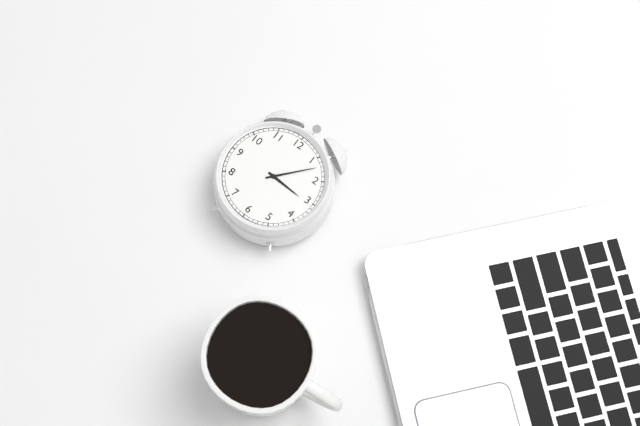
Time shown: **3:07**
